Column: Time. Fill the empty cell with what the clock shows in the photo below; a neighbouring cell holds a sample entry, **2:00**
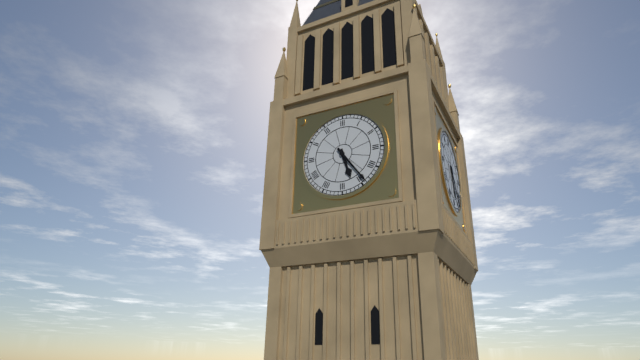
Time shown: **5:24**
